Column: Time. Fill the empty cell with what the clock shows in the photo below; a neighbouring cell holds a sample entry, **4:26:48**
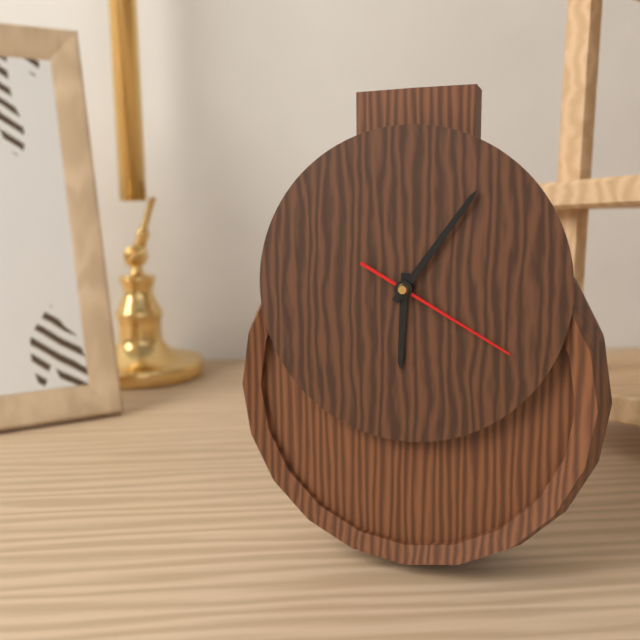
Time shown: **6:06:20**
